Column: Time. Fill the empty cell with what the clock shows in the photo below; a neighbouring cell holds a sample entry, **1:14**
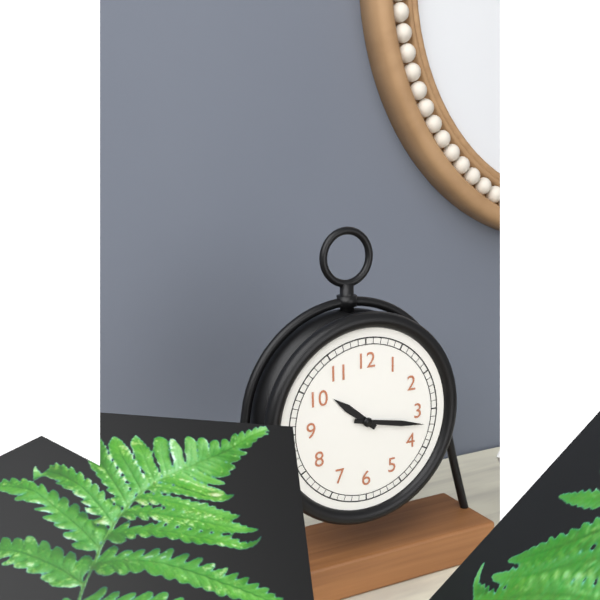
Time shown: **10:17**
